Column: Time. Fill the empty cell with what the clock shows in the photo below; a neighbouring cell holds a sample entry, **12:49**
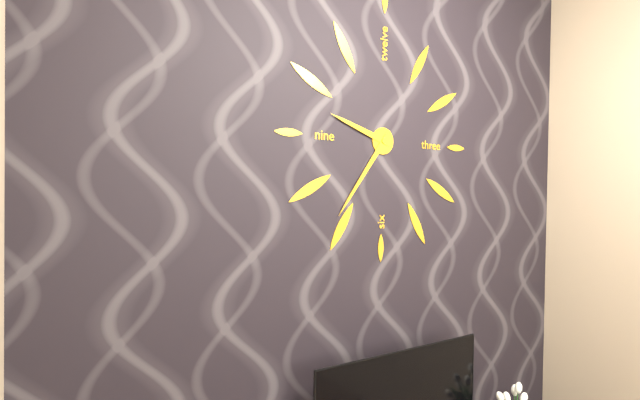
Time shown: **9:36**
